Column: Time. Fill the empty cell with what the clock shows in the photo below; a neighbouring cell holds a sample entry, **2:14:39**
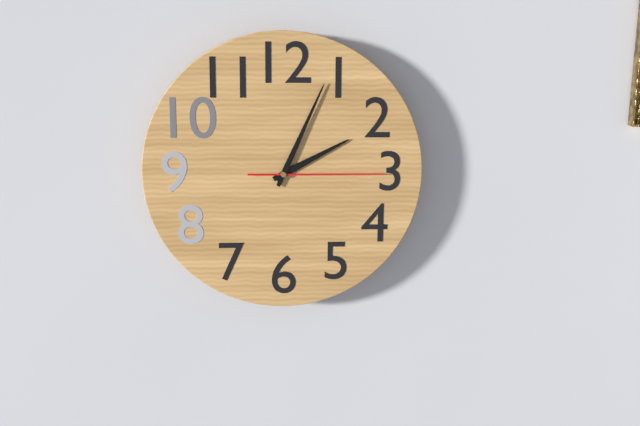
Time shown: **2:04:15**
